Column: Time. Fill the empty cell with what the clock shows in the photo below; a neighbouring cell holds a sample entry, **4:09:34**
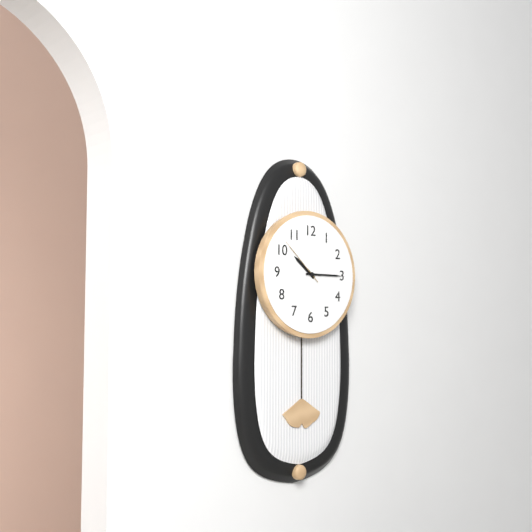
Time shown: **10:15:52**
